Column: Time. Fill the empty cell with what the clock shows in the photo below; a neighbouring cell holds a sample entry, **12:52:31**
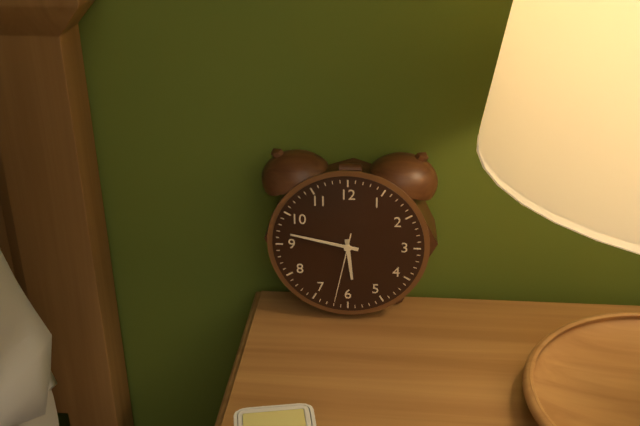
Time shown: **5:47:32**
